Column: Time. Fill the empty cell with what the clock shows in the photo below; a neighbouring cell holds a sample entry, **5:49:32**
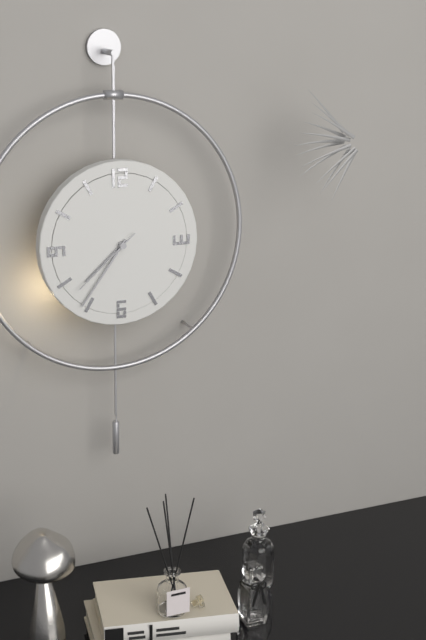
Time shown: **7:36:38**
